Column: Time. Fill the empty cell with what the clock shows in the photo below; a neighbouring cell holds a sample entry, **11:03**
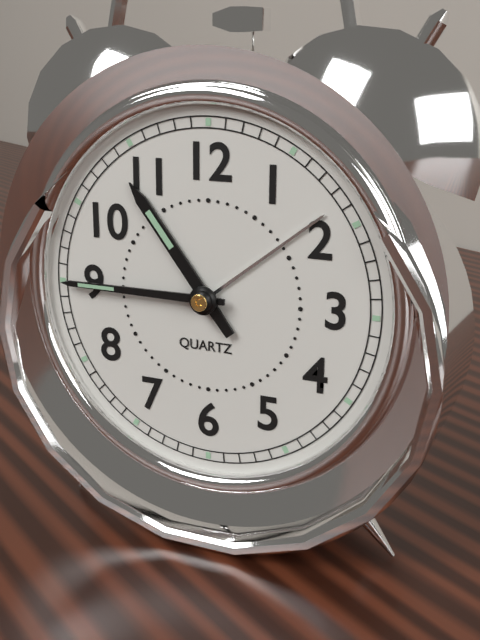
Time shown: **10:45**
